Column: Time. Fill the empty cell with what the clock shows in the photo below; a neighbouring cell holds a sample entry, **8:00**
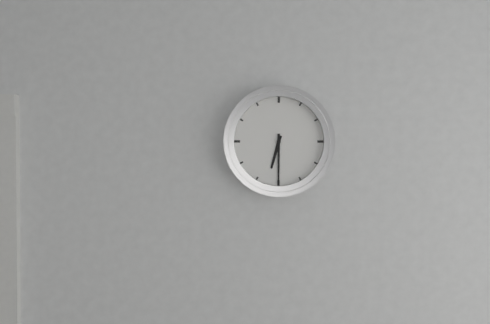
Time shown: **6:30**
